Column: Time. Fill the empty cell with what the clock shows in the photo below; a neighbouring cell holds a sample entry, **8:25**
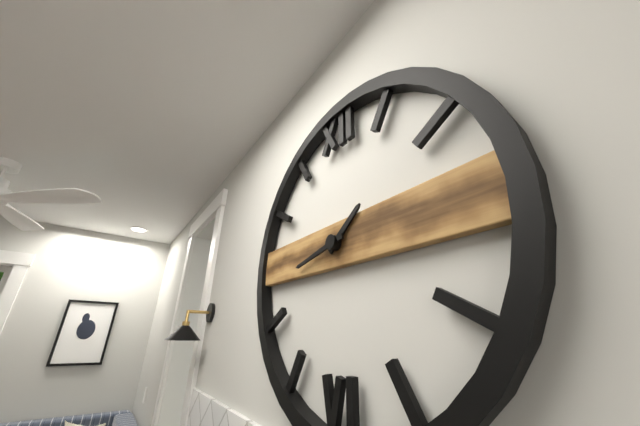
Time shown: **1:43**
